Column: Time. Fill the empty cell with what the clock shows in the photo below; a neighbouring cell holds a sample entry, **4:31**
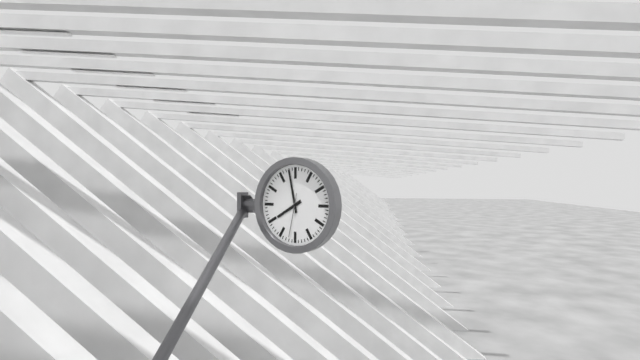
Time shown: **7:58**
